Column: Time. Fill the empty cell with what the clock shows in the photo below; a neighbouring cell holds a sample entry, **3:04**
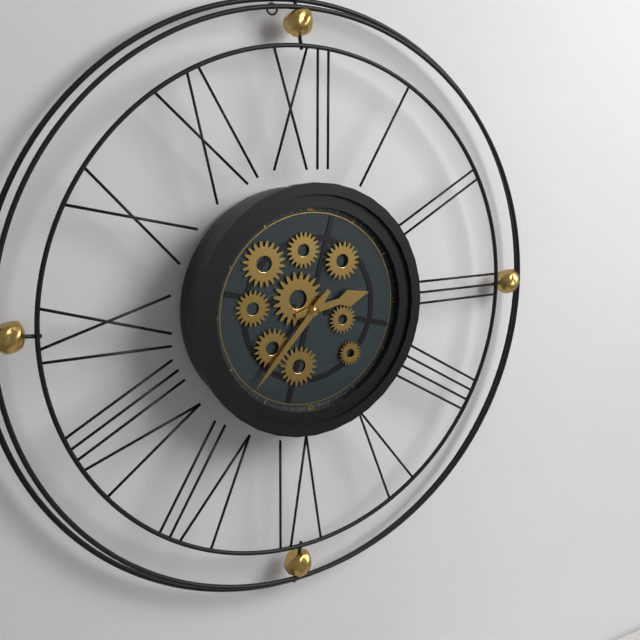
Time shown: **2:37**
